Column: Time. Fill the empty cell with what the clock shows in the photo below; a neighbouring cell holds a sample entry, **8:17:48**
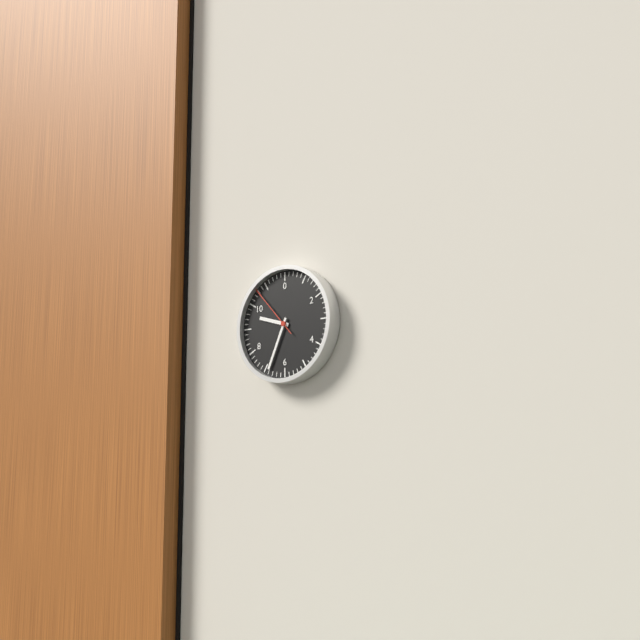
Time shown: **9:34:53**
